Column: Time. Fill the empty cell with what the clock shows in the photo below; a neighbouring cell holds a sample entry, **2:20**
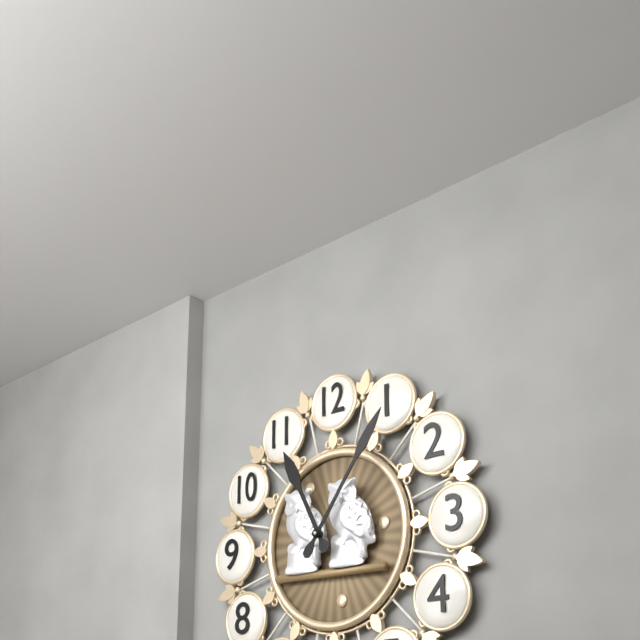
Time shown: **11:06**
